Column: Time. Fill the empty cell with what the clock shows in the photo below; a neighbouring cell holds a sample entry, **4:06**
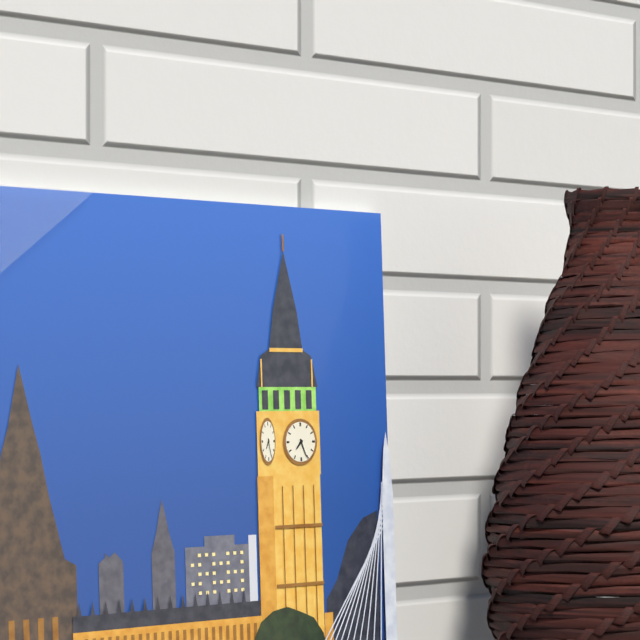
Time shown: **7:26**
